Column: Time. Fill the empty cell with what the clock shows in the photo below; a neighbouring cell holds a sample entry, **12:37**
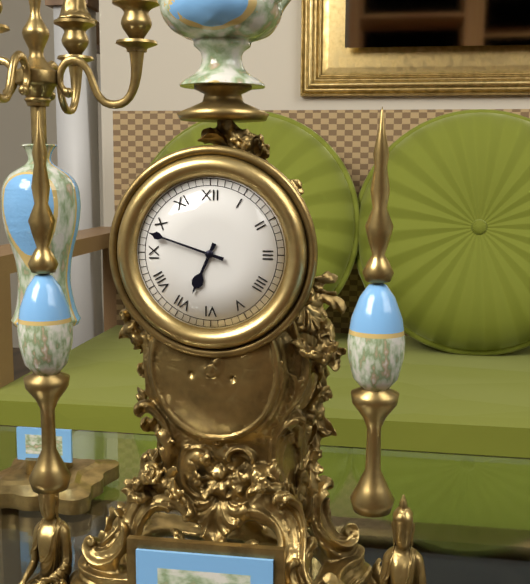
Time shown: **6:48**
